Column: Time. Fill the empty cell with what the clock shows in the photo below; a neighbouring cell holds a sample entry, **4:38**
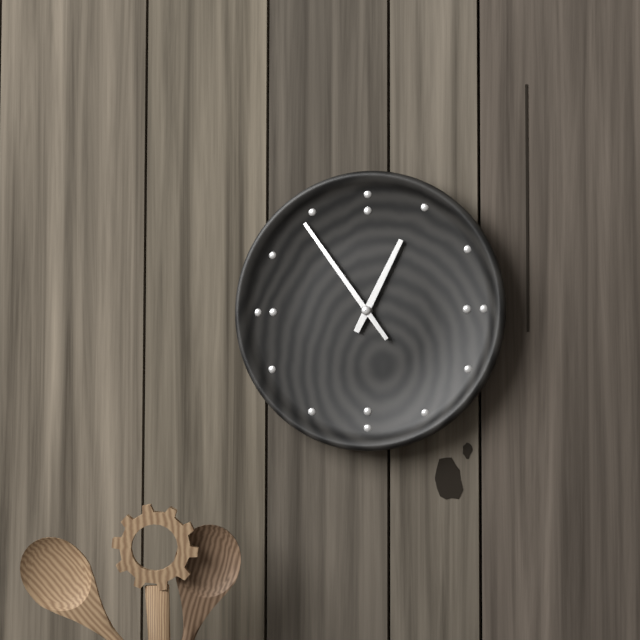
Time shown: **12:54**
